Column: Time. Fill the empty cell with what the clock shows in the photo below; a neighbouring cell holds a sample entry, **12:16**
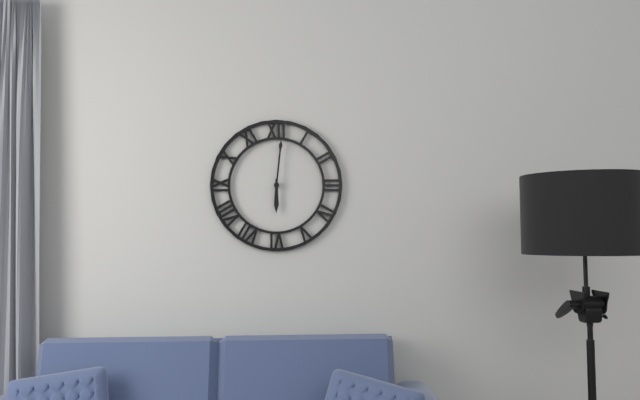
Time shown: **6:01**
